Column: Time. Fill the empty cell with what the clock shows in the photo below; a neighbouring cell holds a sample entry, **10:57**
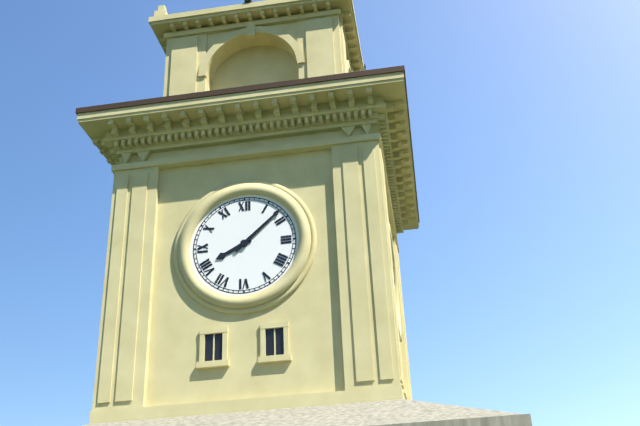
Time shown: **8:08**
